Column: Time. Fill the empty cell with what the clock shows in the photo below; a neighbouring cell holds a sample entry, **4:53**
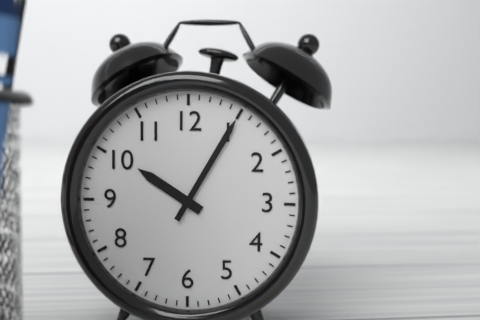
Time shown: **10:05**
